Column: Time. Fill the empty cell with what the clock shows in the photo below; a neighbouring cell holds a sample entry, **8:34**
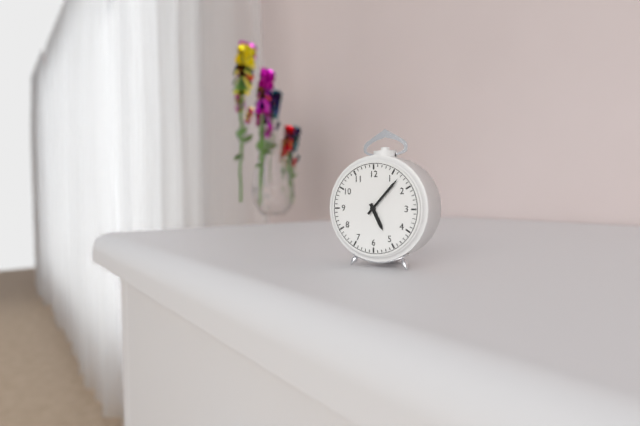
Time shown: **5:07**
